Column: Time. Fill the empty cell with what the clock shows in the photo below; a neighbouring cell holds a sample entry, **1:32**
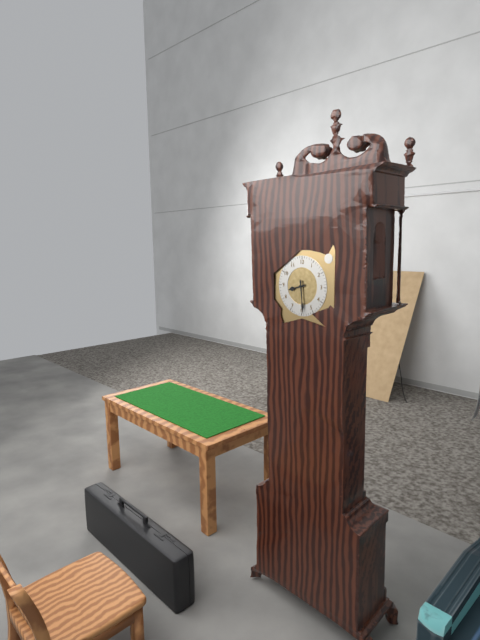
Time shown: **8:29**
